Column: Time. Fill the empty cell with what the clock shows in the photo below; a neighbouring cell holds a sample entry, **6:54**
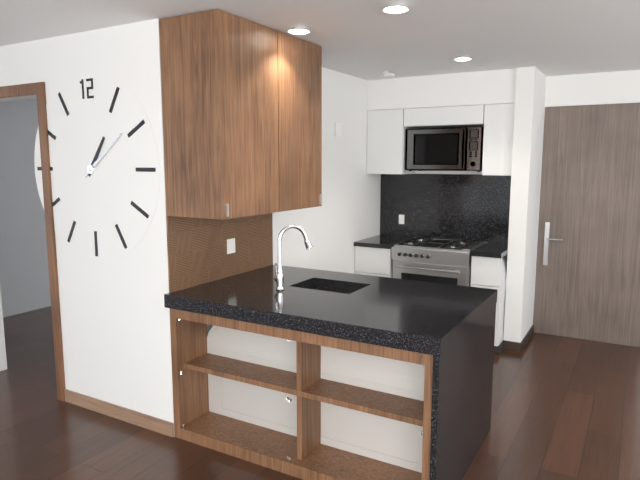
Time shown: **1:09**
